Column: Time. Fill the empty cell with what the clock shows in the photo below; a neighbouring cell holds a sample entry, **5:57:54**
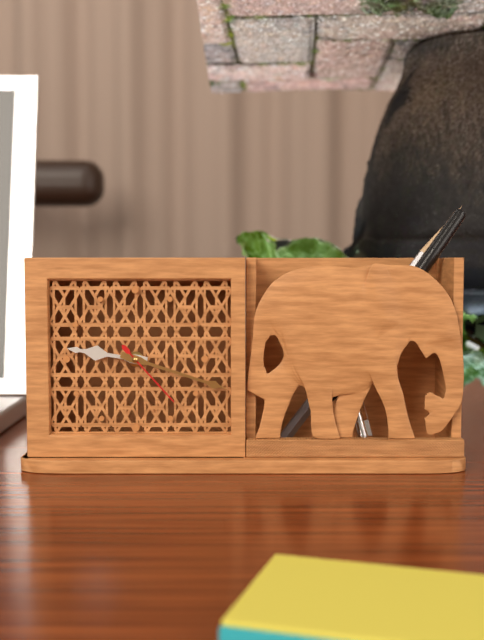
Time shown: **9:18:23**
